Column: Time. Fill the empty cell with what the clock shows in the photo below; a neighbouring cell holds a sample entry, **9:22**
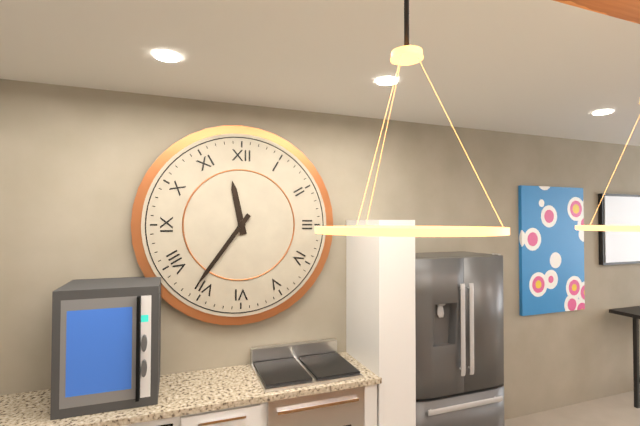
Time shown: **11:36**
